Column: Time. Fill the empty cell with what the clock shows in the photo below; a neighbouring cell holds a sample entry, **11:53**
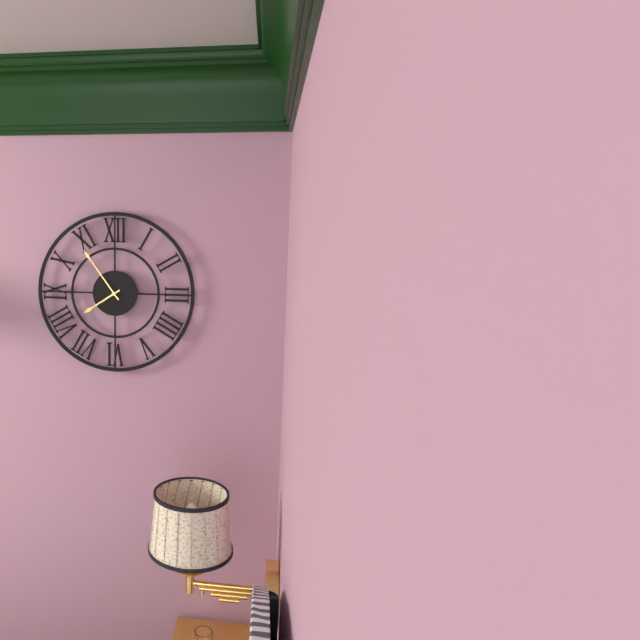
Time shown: **7:54**
